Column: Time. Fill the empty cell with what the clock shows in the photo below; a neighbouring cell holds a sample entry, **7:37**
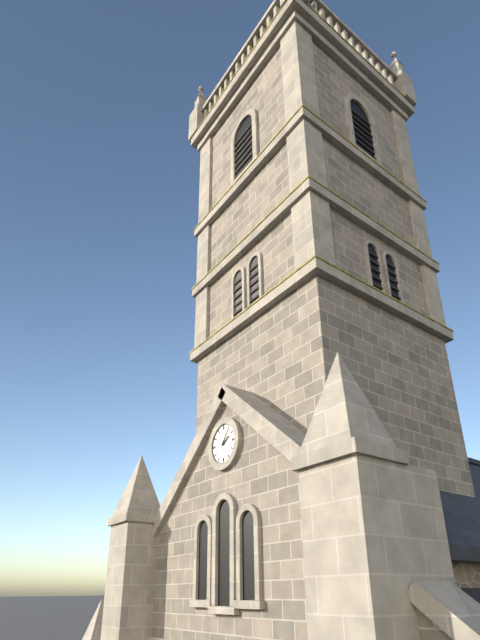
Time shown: **2:06**
